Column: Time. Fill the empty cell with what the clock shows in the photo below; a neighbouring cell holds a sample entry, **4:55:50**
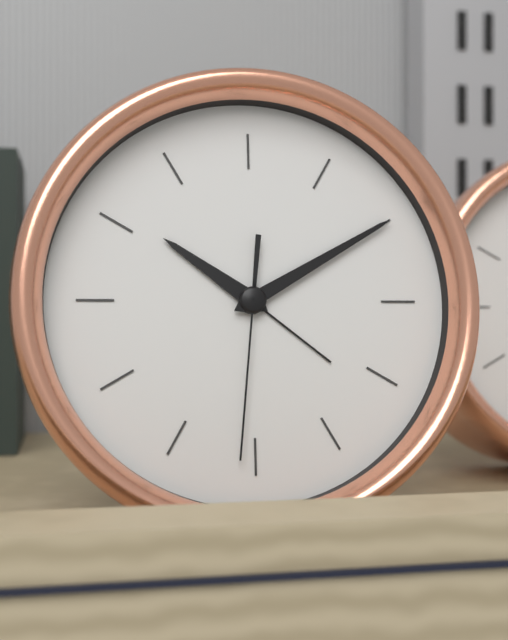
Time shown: **10:10:31**
